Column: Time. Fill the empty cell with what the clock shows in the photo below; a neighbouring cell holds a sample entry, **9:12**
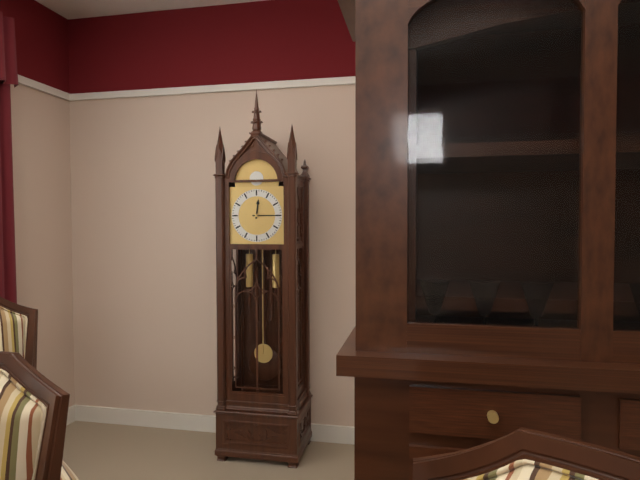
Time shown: **12:15**
